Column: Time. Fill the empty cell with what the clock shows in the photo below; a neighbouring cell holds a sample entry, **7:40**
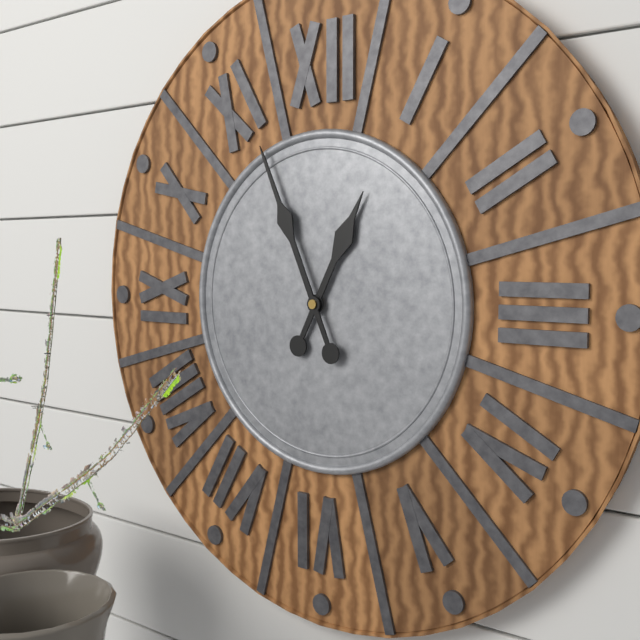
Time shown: **12:56**
